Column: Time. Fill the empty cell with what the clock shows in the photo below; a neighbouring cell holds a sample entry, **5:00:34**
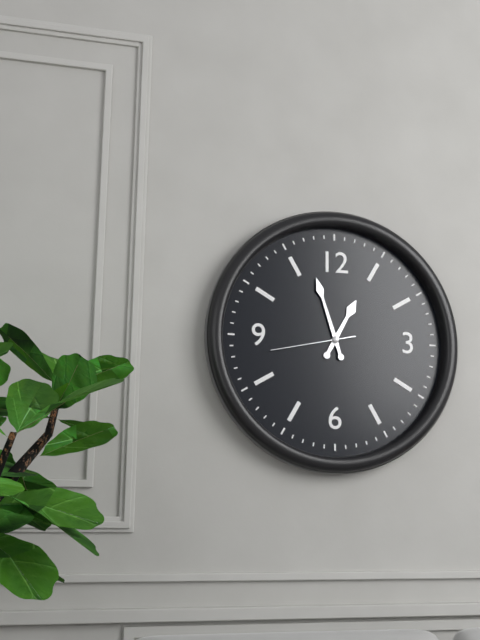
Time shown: **12:57:43**
